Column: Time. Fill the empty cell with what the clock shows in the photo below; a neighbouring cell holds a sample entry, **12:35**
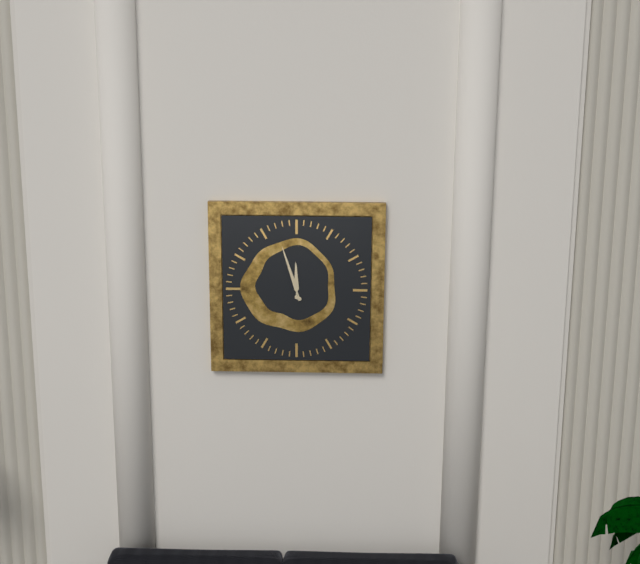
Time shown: **11:57**
